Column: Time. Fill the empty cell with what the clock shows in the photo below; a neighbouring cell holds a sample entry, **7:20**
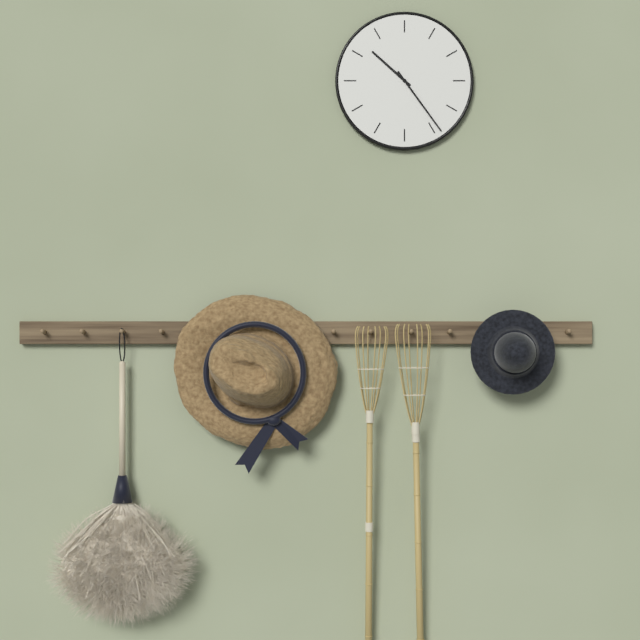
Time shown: **10:24**
